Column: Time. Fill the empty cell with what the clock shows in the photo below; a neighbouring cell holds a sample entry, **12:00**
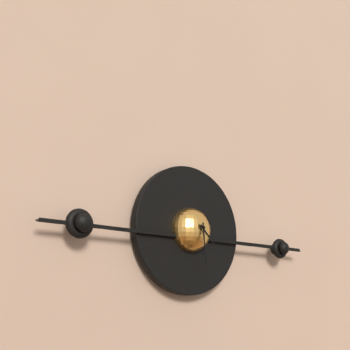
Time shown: **4:29**
